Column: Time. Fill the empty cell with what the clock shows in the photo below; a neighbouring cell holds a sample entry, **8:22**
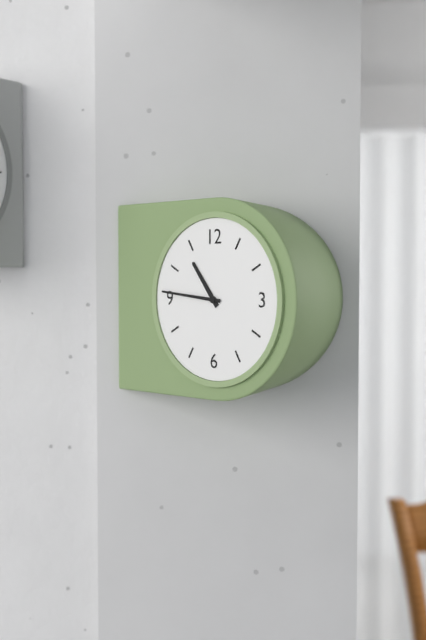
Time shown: **10:46**
